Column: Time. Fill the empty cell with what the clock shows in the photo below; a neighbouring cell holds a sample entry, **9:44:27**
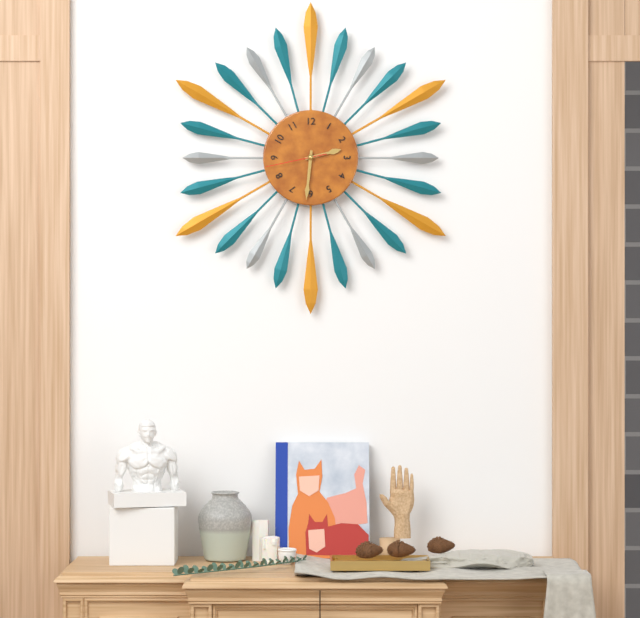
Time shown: **2:31:43**
